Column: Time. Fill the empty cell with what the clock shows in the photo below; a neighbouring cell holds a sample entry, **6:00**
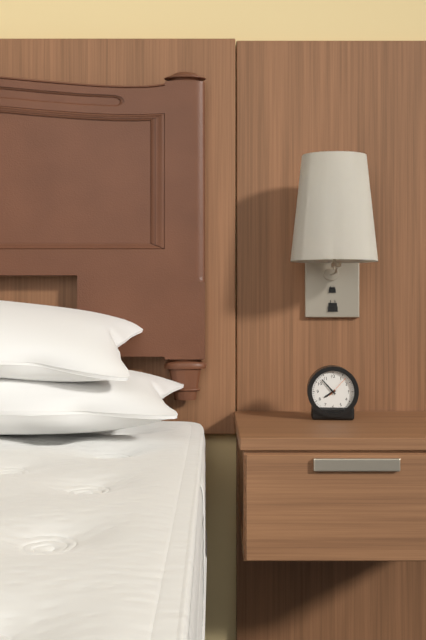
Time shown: **7:53**
